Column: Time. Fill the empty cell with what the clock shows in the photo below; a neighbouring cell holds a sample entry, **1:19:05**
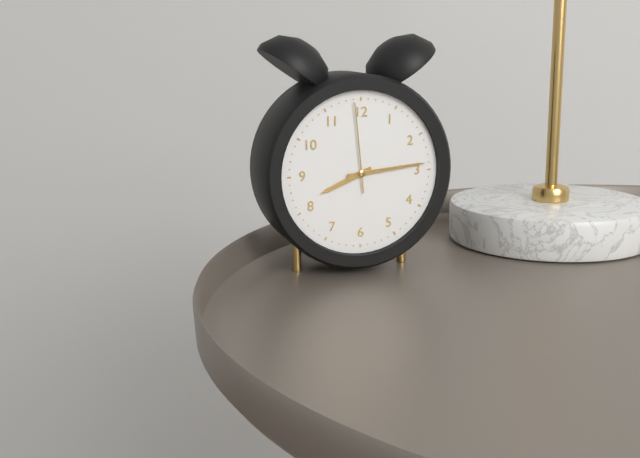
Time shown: **8:14:59**
